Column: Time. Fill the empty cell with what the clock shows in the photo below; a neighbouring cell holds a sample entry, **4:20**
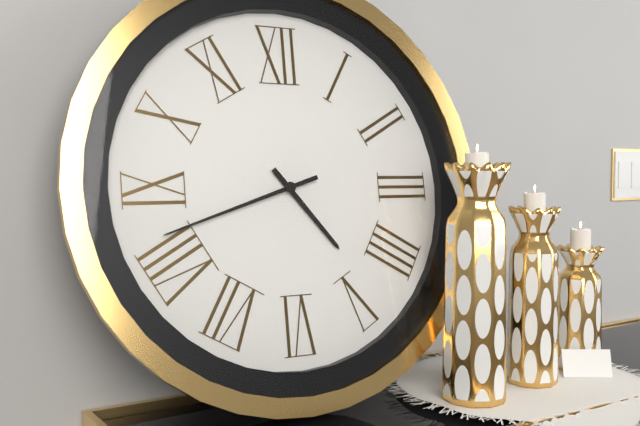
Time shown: **4:42**
